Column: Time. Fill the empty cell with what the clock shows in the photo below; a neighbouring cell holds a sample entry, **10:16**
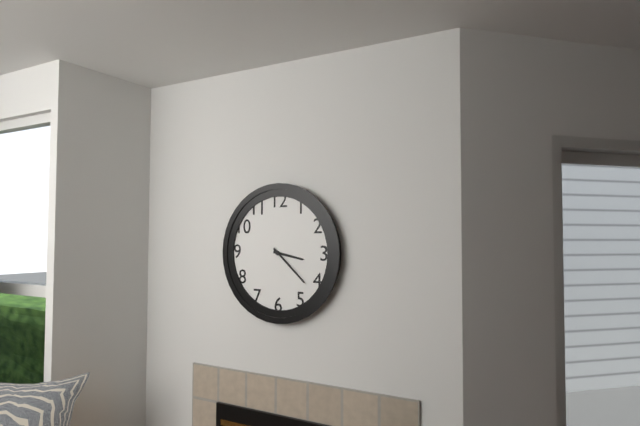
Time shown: **3:22**
